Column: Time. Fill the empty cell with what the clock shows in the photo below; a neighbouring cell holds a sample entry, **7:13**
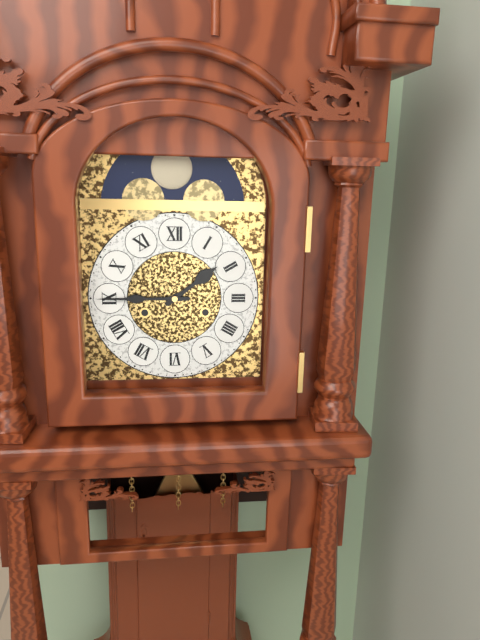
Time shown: **1:45**
